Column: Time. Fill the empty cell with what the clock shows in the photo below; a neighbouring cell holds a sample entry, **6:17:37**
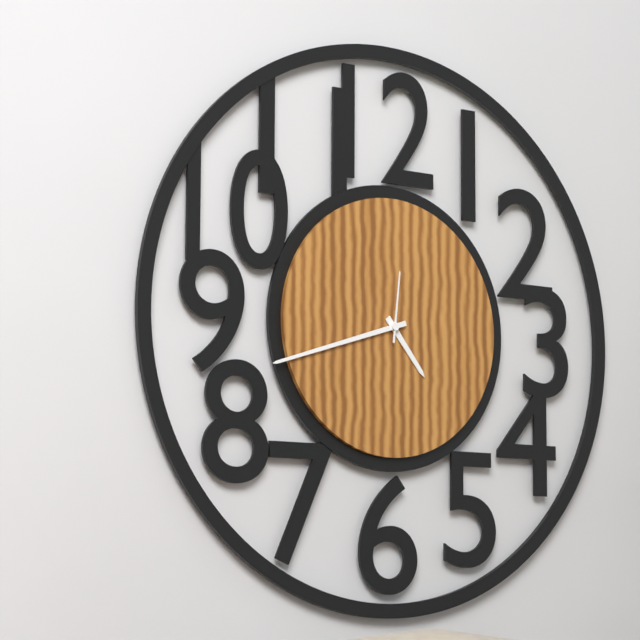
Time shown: **4:42:01**
